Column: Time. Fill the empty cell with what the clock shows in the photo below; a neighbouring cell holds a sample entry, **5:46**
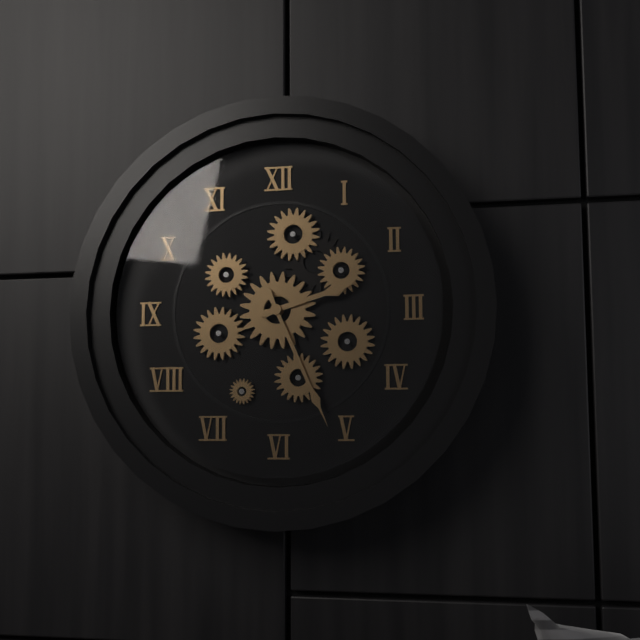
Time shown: **2:26**
